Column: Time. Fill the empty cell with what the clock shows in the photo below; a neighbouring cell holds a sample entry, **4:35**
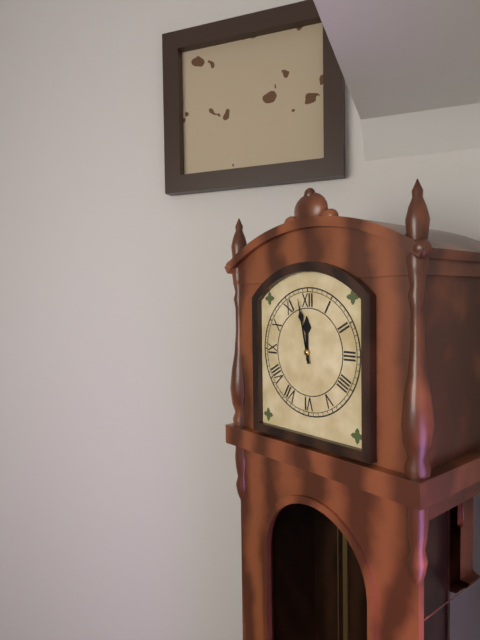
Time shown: **11:58**
